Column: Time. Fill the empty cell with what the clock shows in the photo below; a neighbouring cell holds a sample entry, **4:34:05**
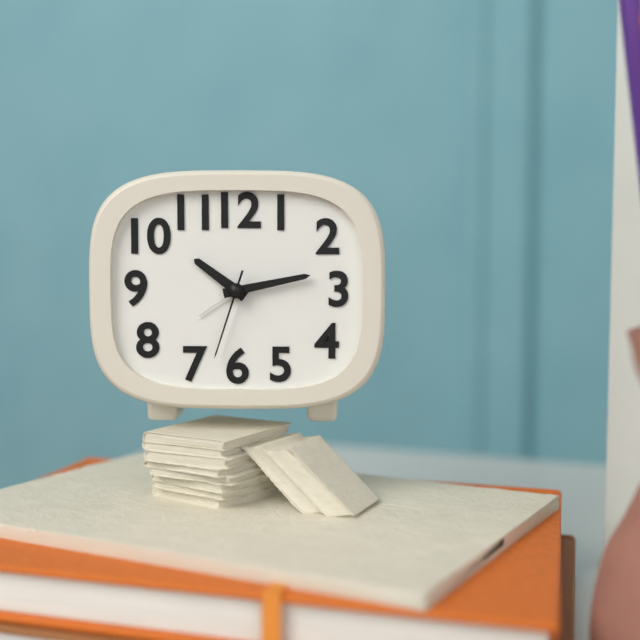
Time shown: **10:13:33**
